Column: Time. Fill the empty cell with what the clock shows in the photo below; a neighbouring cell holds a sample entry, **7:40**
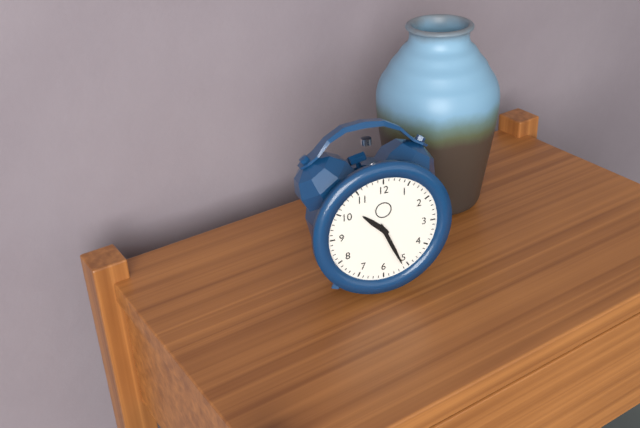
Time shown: **10:26**
